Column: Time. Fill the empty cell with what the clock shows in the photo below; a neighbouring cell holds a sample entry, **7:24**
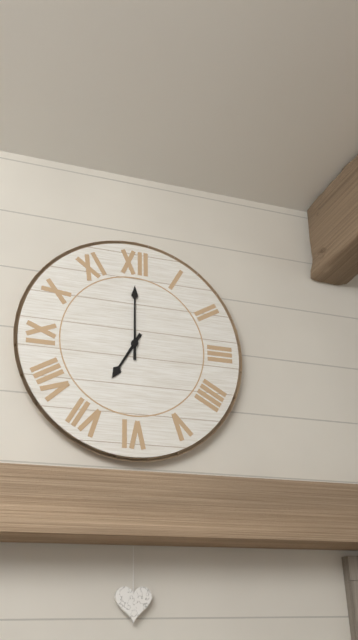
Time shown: **7:00**
